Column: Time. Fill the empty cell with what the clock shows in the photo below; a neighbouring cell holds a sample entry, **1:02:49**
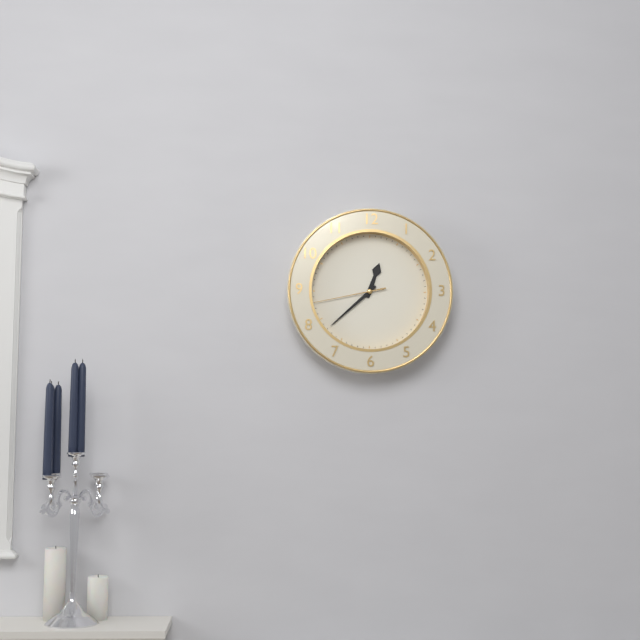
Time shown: **12:38:43**
